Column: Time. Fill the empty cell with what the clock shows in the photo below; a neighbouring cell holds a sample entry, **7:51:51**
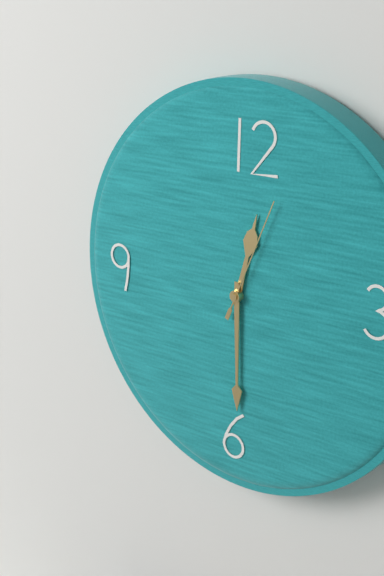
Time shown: **12:30:04**
